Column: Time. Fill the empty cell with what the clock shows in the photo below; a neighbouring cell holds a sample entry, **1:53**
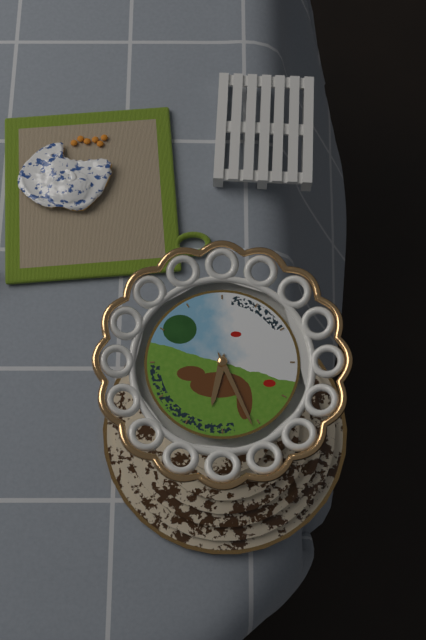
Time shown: **6:26**
